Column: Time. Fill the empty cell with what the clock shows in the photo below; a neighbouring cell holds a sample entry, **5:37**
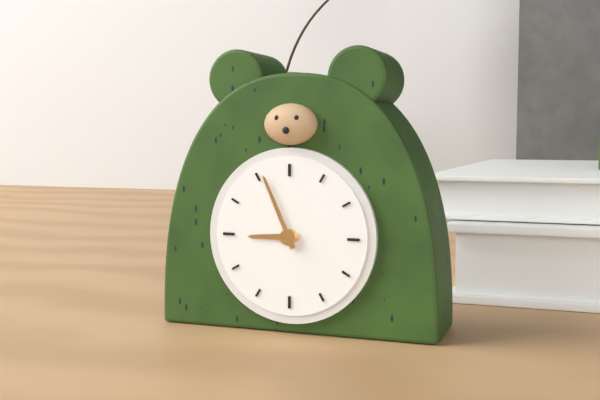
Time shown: **8:56**
